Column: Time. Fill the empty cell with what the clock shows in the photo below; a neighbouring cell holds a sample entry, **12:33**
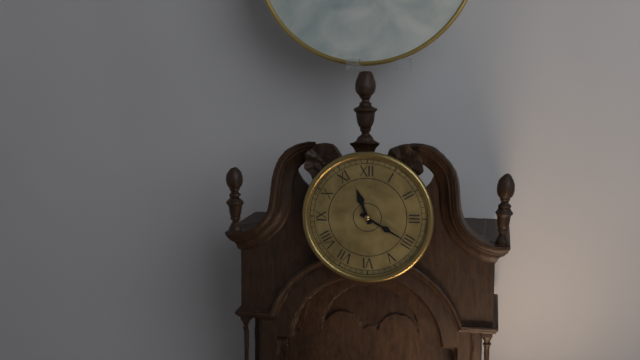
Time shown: **11:20**
